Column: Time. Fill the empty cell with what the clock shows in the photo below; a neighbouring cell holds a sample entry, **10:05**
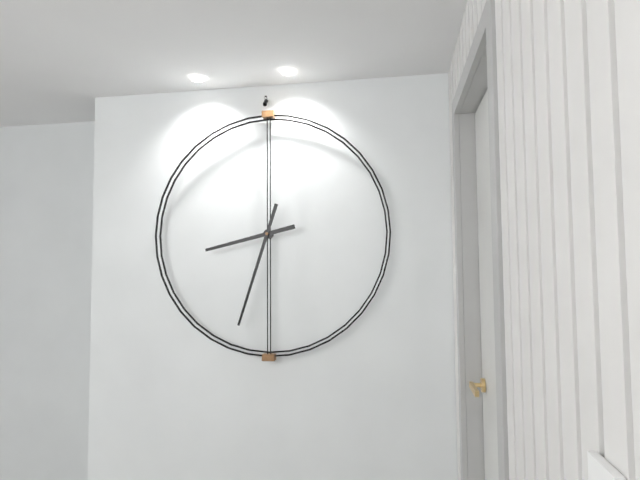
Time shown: **8:33**
